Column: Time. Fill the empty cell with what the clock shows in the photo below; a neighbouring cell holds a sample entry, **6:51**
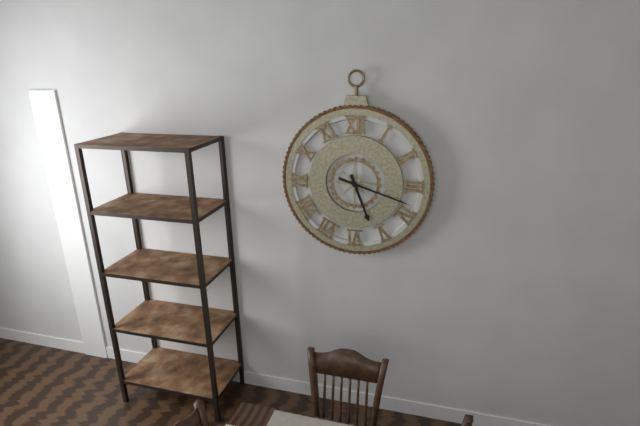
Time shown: **5:18**
